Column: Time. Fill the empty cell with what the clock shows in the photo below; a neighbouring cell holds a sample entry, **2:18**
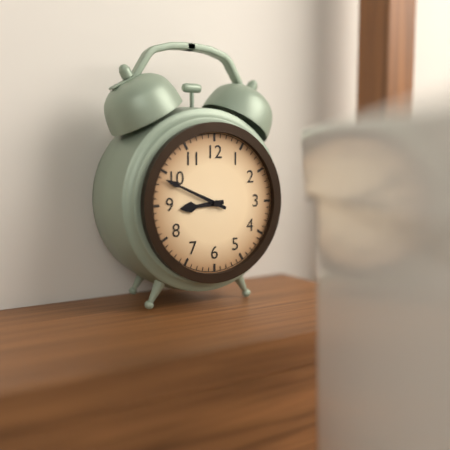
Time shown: **8:49**
